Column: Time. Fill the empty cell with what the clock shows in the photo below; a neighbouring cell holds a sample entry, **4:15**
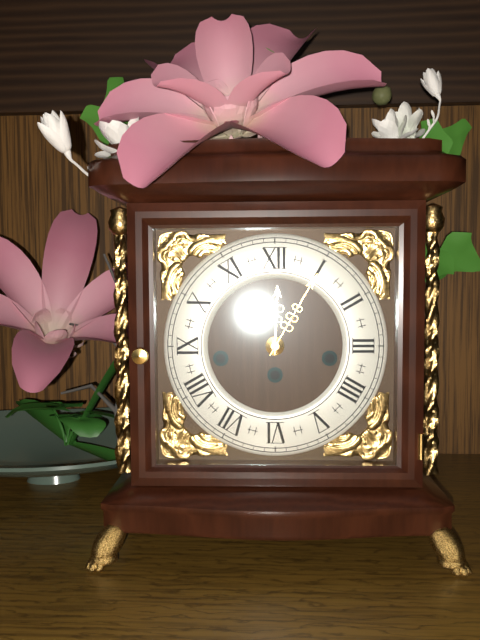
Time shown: **12:05**
